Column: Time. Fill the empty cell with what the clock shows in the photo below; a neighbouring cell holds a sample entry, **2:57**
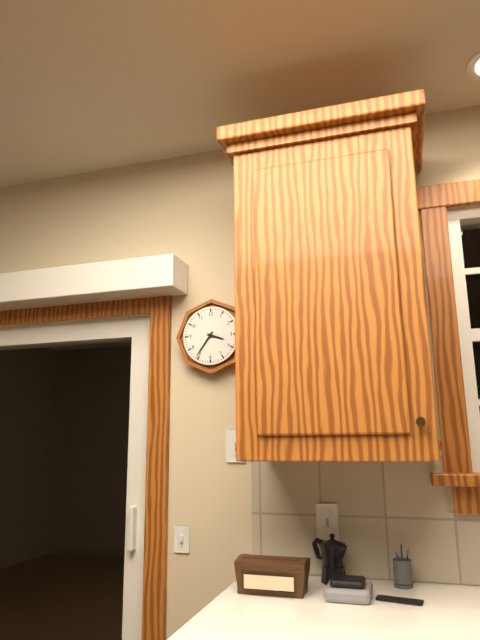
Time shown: **3:36**
